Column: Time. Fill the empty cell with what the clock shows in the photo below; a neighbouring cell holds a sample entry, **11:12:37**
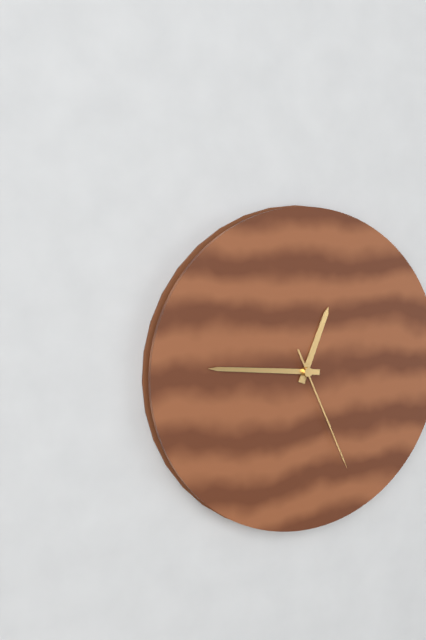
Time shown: **12:46:26**
